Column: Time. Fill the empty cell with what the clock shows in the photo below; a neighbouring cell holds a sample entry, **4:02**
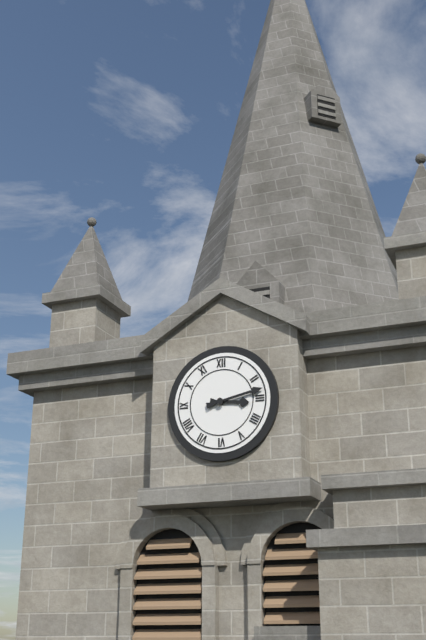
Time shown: **3:13**
